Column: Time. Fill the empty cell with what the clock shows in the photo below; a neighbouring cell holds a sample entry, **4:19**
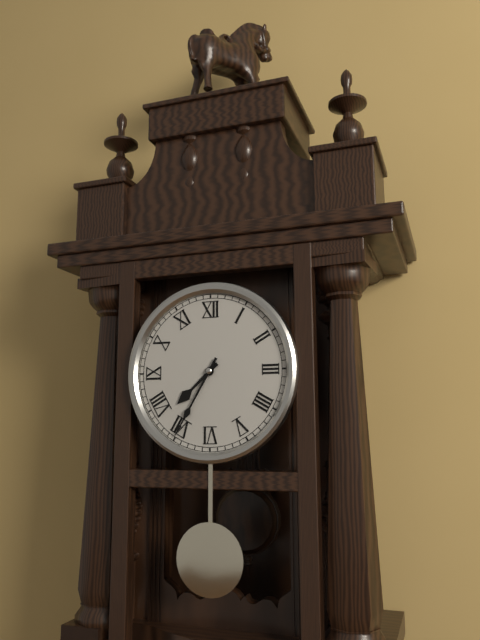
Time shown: **7:35**
